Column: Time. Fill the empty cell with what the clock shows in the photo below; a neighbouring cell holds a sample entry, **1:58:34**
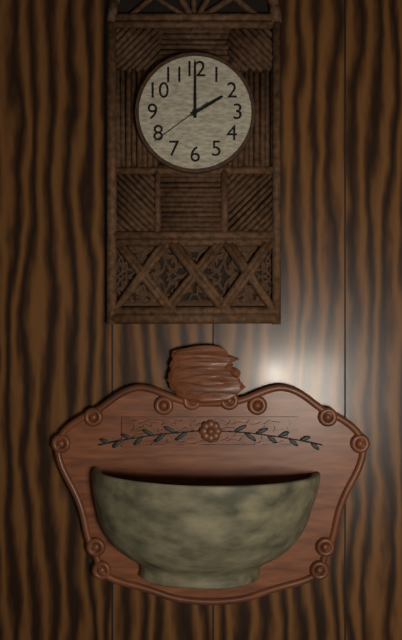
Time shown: **2:00:39**
